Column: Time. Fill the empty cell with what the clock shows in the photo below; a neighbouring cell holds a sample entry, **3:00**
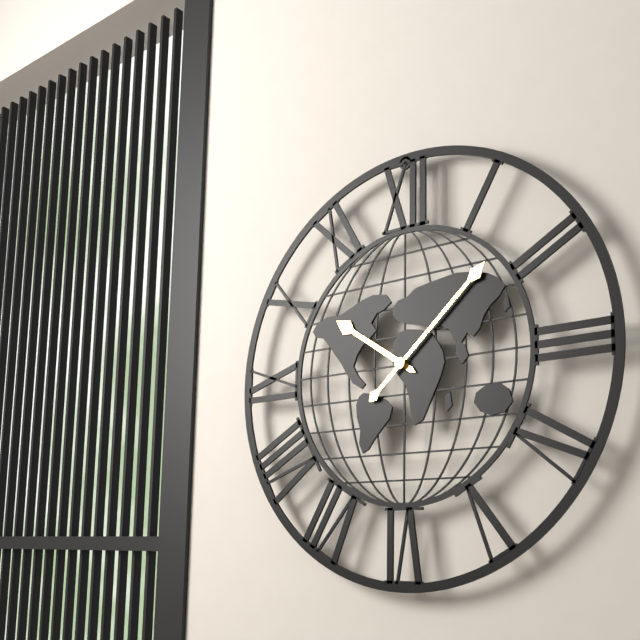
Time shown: **10:08**
